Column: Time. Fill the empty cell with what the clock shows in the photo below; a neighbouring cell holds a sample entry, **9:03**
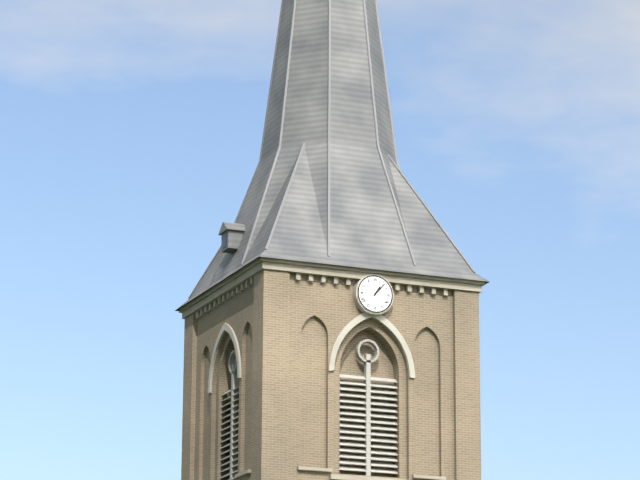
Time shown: **1:07**
